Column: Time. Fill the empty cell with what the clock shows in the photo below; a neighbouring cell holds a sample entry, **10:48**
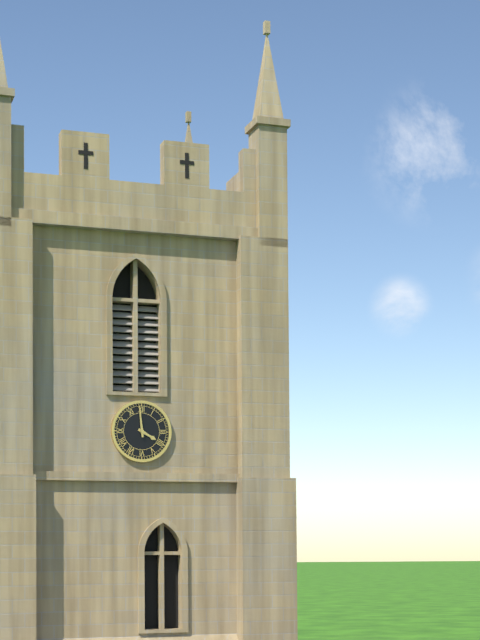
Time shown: **3:59**
